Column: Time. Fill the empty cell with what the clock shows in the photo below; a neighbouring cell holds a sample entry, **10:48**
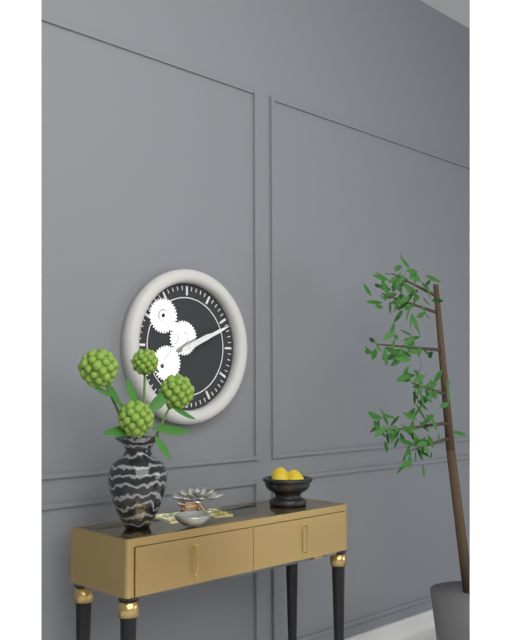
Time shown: **2:11**
